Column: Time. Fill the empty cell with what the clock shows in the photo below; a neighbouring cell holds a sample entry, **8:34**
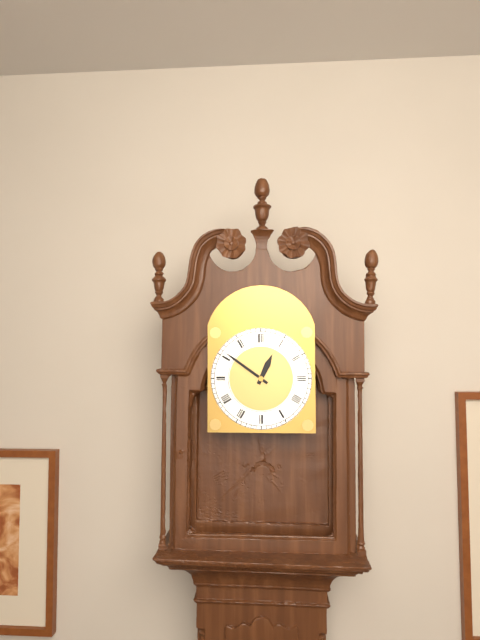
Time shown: **12:51**
